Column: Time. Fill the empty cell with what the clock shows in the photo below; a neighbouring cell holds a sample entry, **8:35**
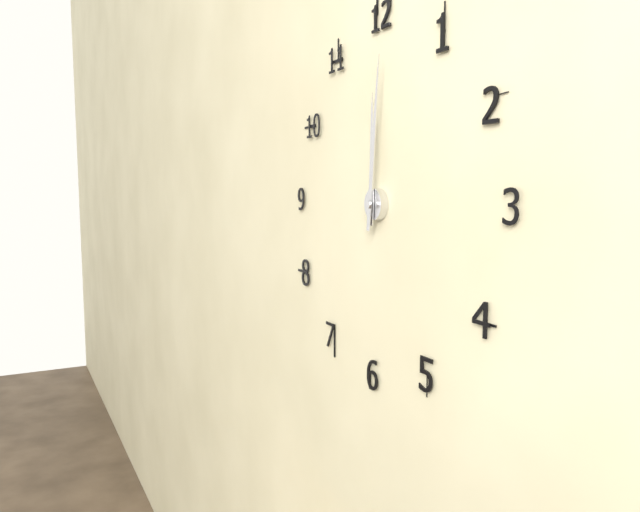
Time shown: **12:01**
